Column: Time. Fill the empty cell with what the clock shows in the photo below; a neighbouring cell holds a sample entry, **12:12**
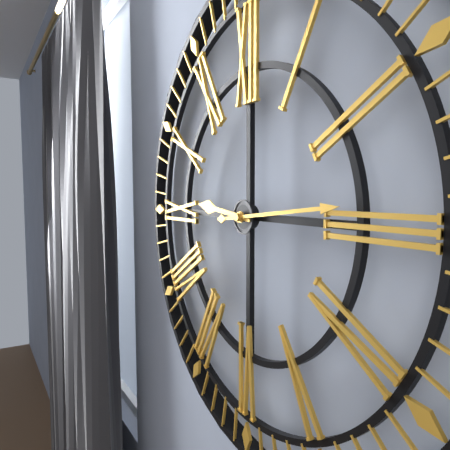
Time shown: **9:14**
